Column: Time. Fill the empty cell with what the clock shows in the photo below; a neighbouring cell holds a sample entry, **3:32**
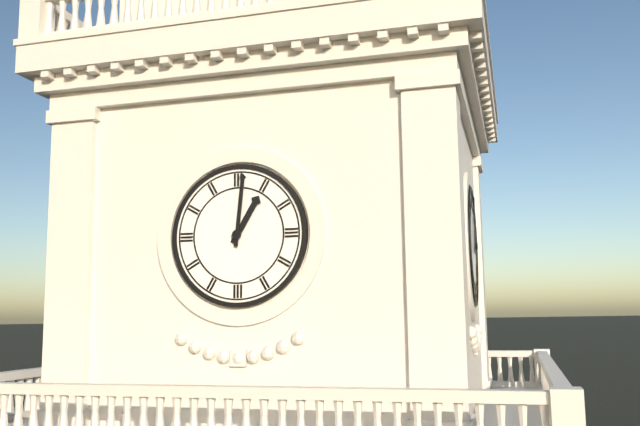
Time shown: **1:01**
